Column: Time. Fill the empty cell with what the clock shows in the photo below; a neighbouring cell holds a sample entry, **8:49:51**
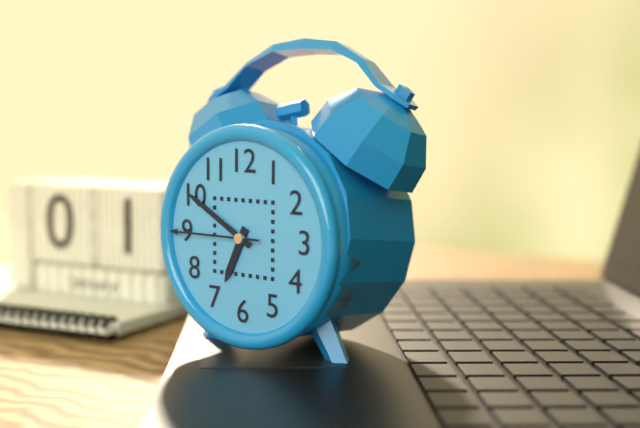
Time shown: **6:50:45**
